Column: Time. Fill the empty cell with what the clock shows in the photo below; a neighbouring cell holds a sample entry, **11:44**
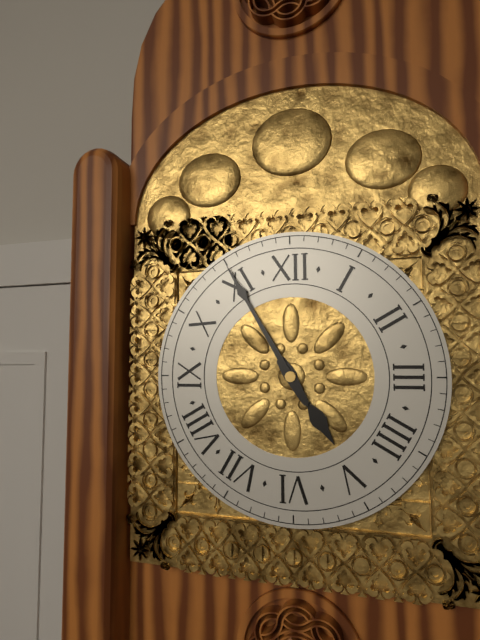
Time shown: **4:55**
